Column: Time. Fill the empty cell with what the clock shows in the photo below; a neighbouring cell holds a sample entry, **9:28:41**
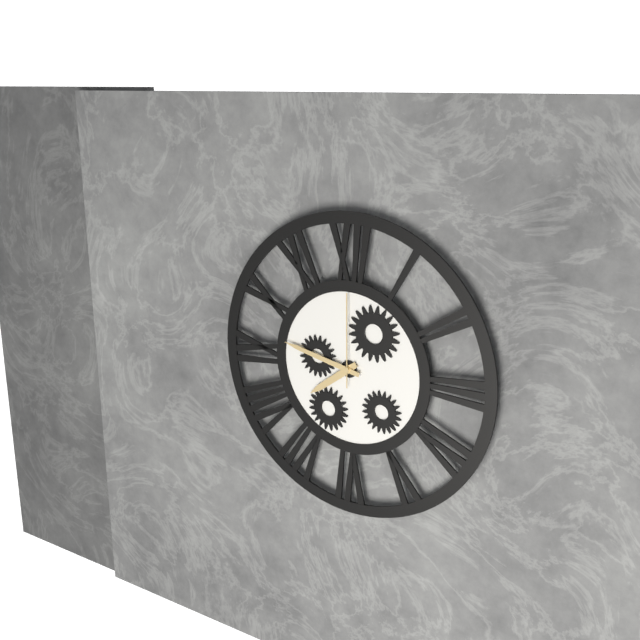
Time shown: **7:47:00**
